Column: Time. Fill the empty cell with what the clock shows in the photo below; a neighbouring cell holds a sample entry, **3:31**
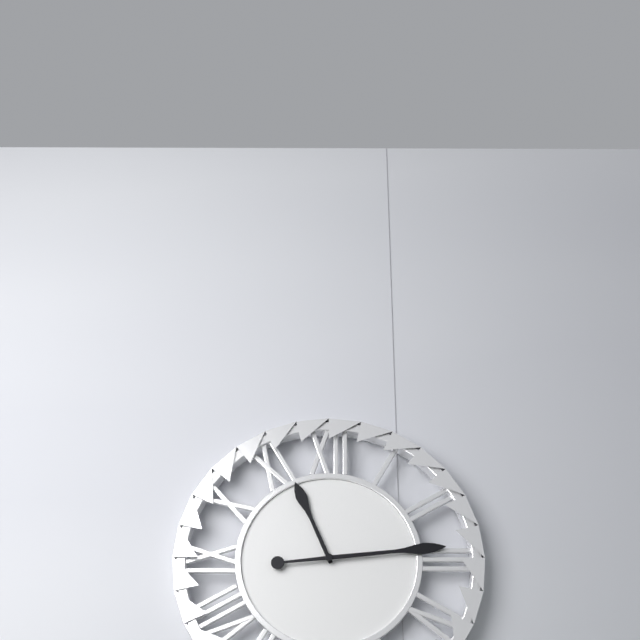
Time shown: **11:14**
